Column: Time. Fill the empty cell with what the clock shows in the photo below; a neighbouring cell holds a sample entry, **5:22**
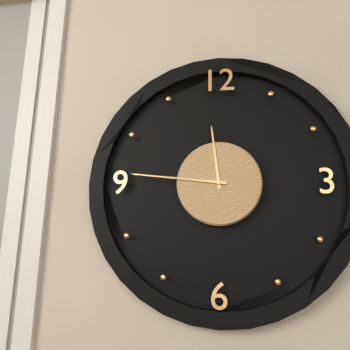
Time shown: **11:46**
